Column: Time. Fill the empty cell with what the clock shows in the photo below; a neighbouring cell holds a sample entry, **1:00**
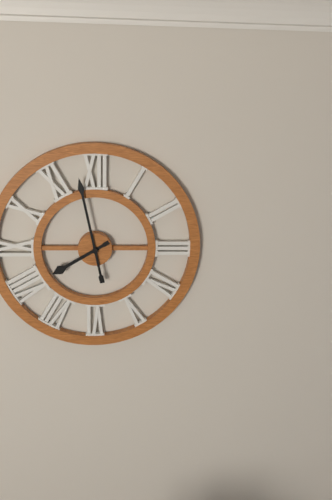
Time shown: **7:58**
